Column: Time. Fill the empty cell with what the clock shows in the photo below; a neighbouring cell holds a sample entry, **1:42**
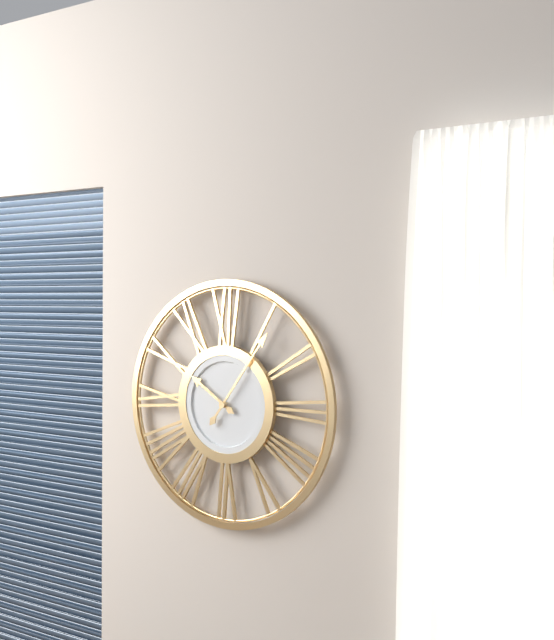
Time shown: **10:06**
